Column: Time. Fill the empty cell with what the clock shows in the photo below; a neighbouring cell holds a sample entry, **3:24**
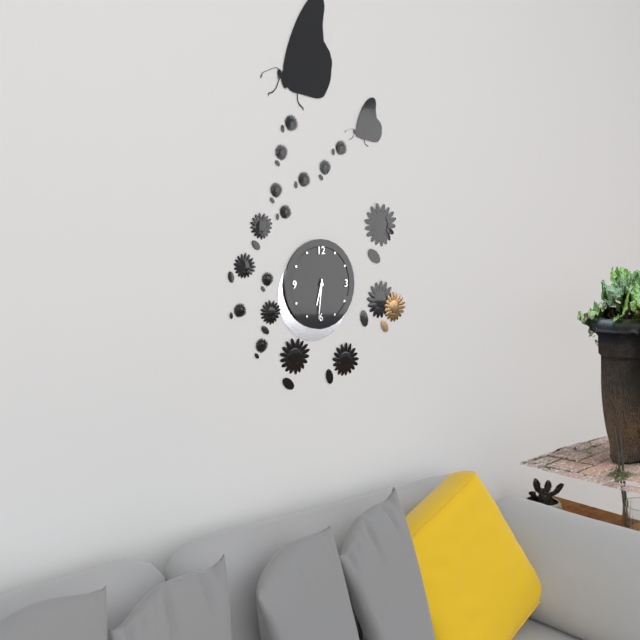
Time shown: **6:31**
